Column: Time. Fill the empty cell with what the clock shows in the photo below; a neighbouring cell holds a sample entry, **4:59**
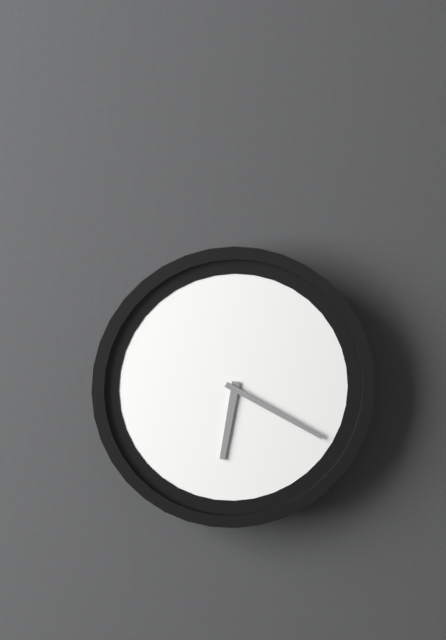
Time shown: **6:20**
